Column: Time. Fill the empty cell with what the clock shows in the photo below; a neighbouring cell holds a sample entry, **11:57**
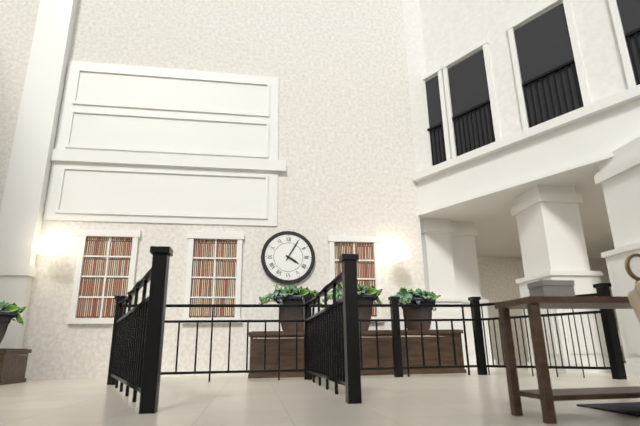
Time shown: **4:05**
